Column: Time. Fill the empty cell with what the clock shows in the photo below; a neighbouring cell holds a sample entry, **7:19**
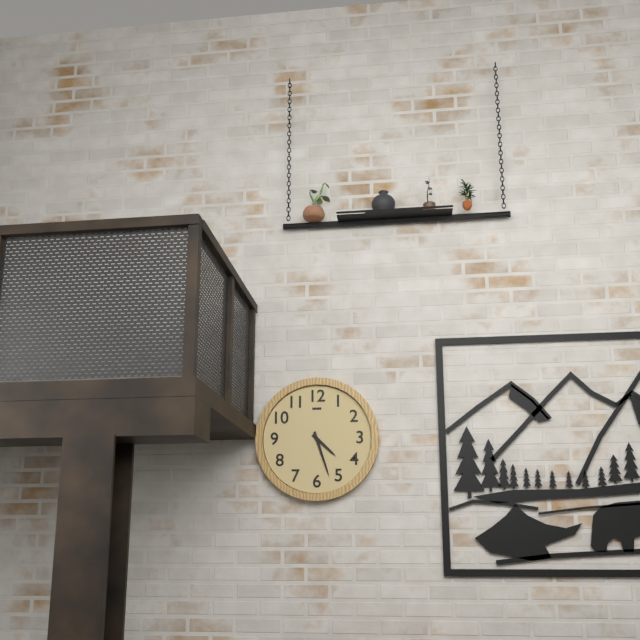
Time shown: **4:27**
